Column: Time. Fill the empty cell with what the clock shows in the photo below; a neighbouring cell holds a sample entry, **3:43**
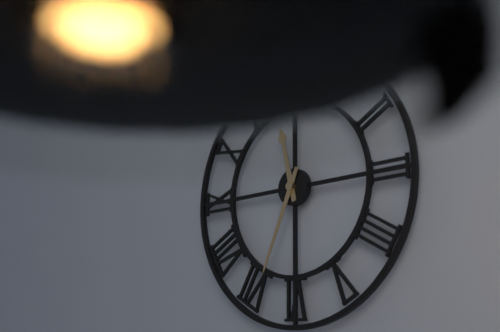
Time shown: **11:34**
